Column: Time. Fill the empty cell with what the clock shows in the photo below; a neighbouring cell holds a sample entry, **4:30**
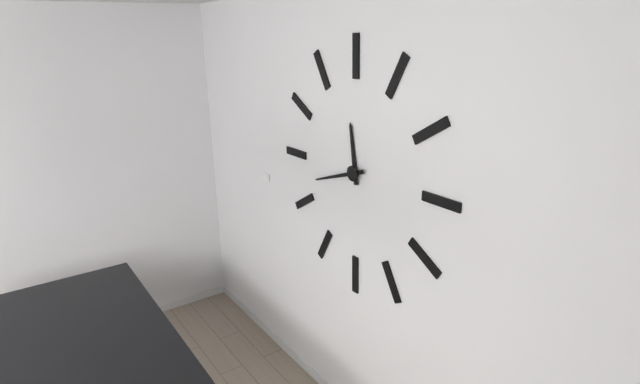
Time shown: **11:42**
